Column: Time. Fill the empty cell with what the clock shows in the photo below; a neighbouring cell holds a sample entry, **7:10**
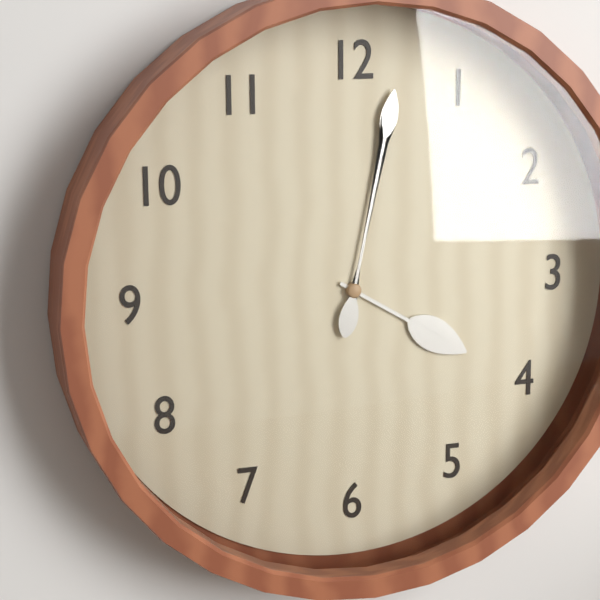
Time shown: **4:02**
